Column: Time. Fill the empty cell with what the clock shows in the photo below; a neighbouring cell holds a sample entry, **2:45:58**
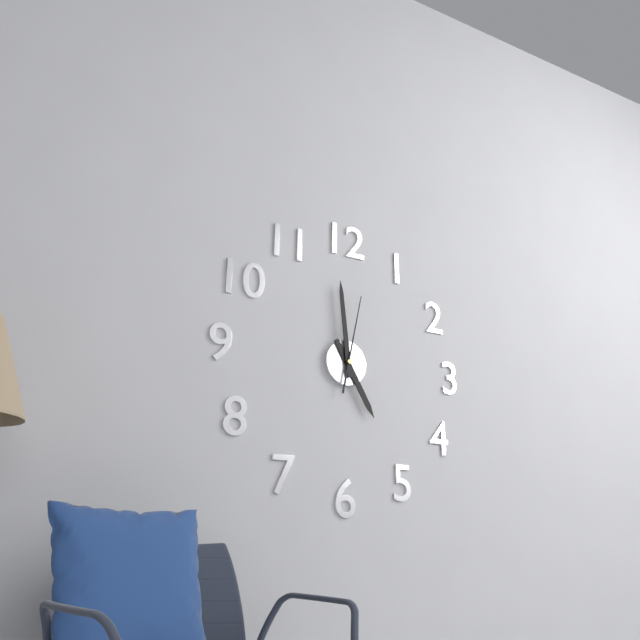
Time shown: **4:59:02**
